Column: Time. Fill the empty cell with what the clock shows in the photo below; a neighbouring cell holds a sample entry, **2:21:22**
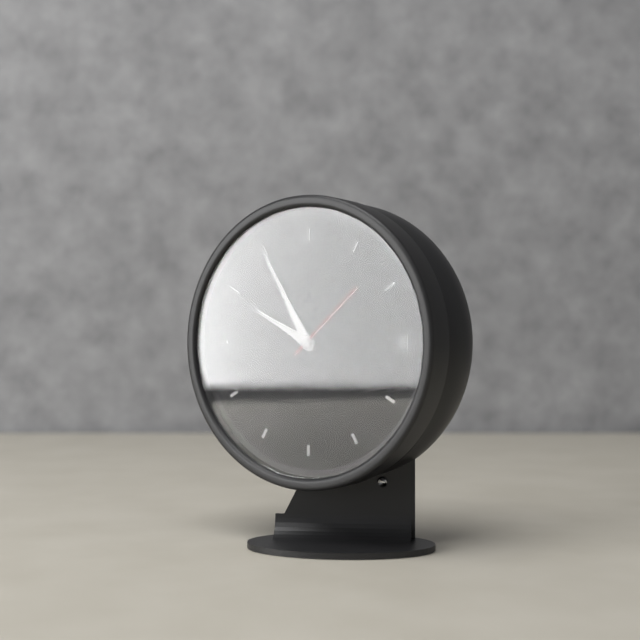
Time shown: **9:55:08**
